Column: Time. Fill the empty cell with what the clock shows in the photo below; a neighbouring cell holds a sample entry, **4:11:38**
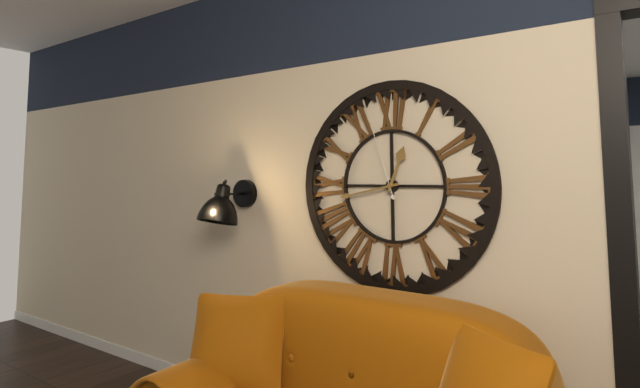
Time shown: **12:43:57**
